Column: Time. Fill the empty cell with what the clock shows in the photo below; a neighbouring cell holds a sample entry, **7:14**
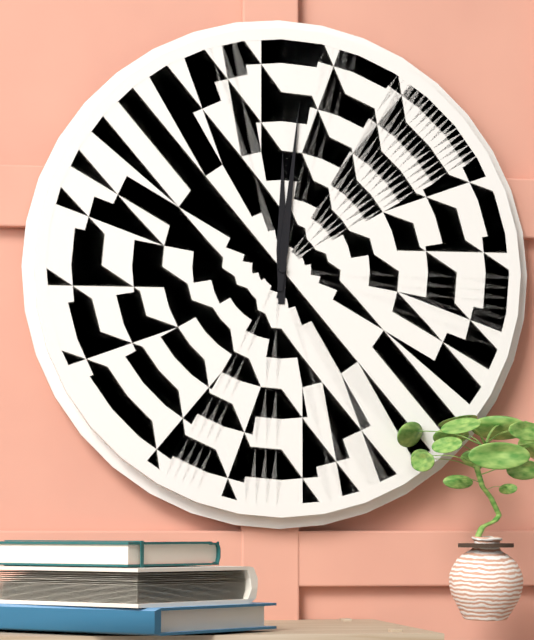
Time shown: **12:01**
